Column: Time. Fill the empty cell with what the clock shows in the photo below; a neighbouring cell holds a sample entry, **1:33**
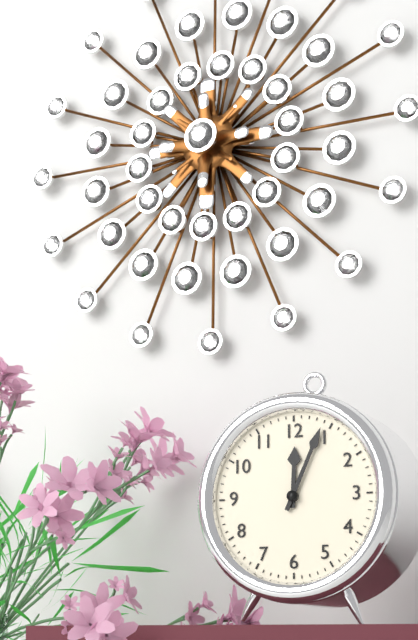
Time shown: **12:04**
